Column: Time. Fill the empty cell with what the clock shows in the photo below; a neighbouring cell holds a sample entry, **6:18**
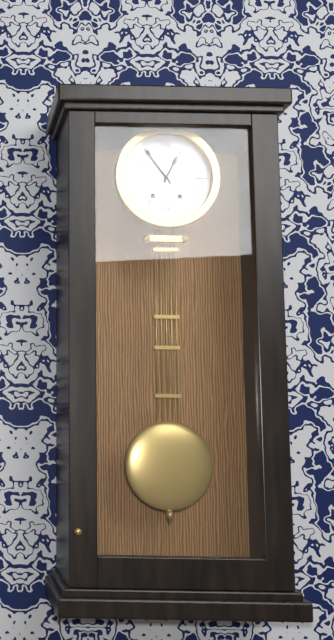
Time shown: **12:54**
